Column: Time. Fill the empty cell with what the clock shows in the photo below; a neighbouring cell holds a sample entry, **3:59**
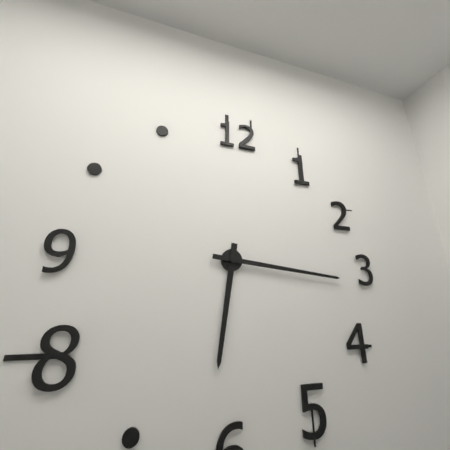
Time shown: **6:16**
